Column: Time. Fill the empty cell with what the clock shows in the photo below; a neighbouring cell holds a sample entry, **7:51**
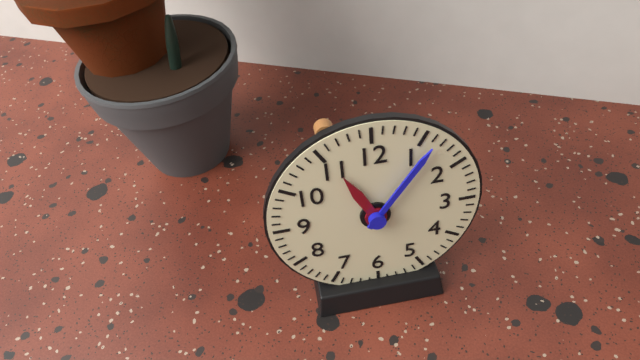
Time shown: **11:06**
